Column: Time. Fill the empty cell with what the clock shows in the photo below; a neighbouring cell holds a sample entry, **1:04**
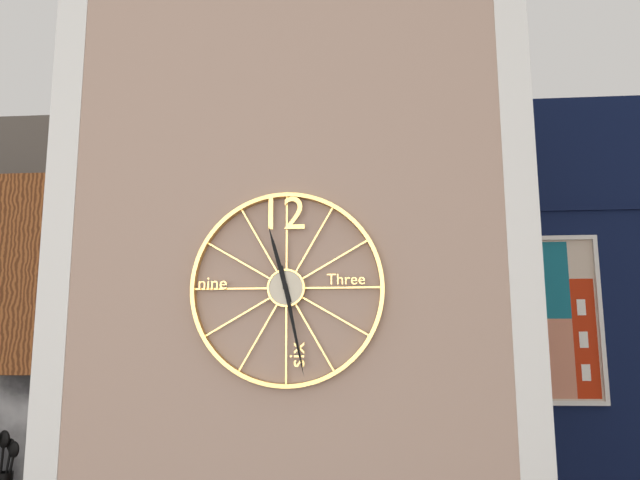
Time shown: **11:28**
